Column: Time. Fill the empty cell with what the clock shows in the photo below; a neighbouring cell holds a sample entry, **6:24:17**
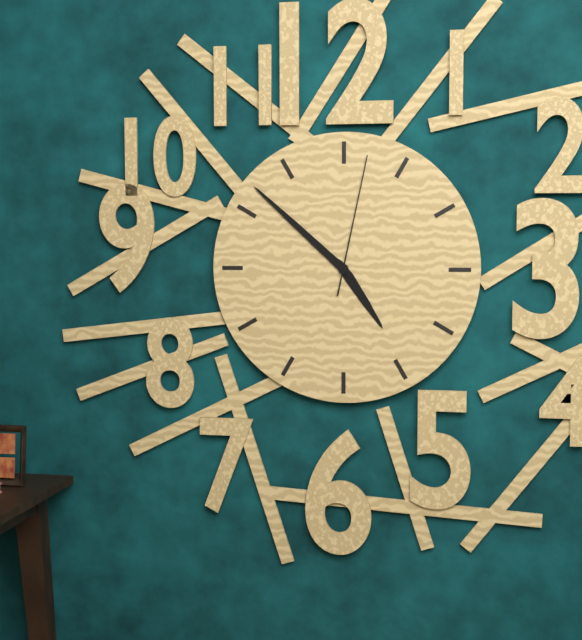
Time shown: **4:52:02**
